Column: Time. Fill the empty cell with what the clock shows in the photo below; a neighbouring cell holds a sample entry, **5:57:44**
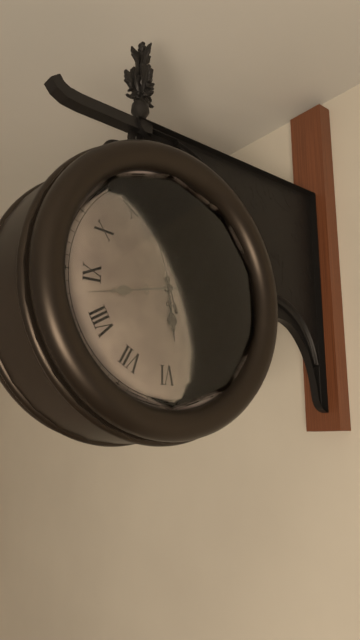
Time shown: **5:43:57**
